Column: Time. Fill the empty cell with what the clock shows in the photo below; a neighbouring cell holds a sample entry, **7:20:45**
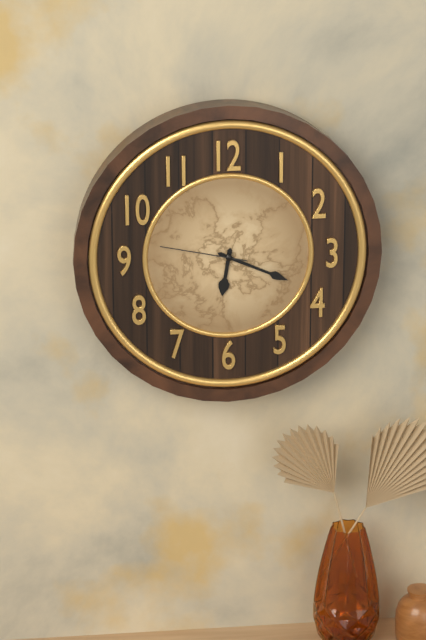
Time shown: **6:19:47**
